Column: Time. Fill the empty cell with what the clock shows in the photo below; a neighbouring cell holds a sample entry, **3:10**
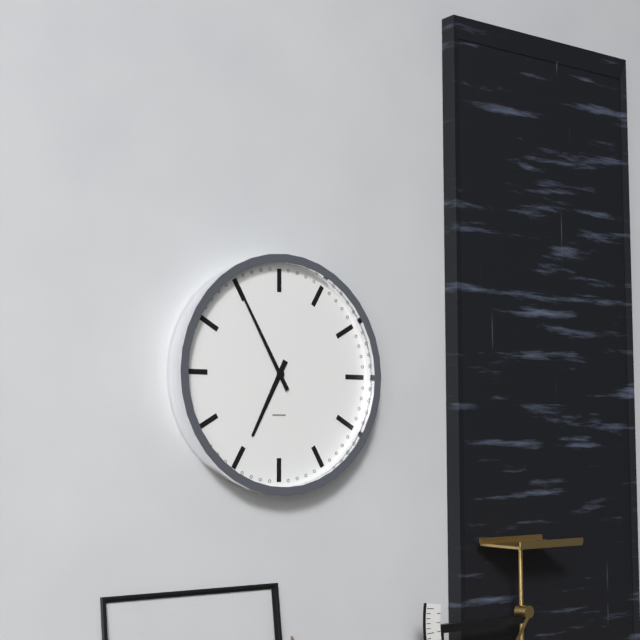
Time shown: **6:55**
